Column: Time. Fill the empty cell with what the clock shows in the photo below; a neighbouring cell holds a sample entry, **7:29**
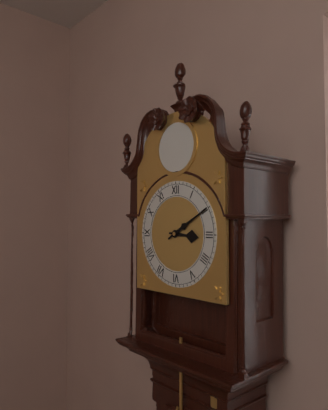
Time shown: **3:10**
